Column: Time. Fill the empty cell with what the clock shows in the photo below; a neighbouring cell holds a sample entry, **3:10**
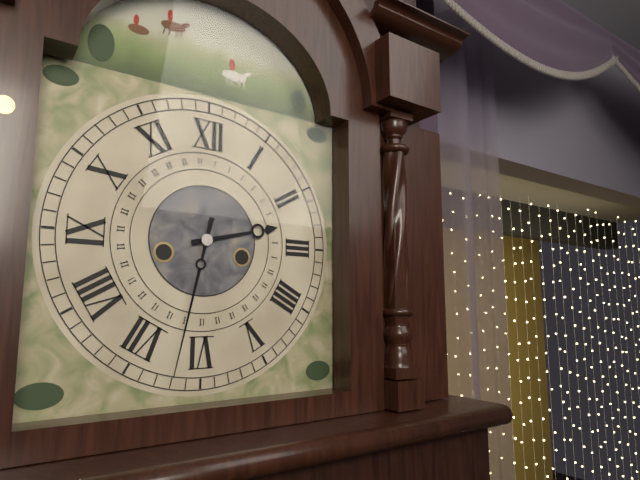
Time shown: **2:32**
